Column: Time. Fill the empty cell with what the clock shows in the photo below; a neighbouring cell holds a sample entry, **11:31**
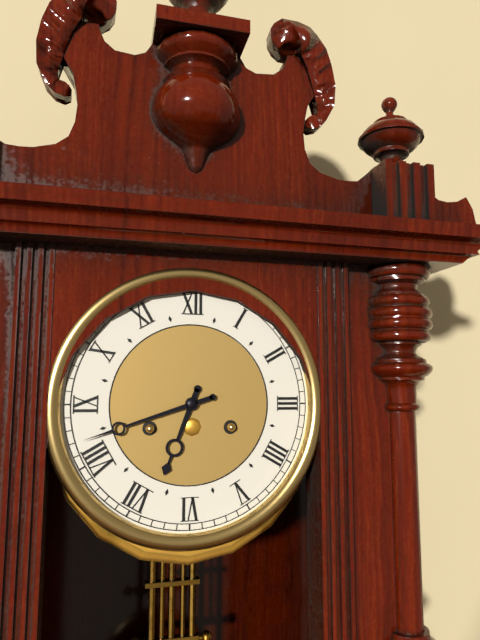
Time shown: **6:42**
